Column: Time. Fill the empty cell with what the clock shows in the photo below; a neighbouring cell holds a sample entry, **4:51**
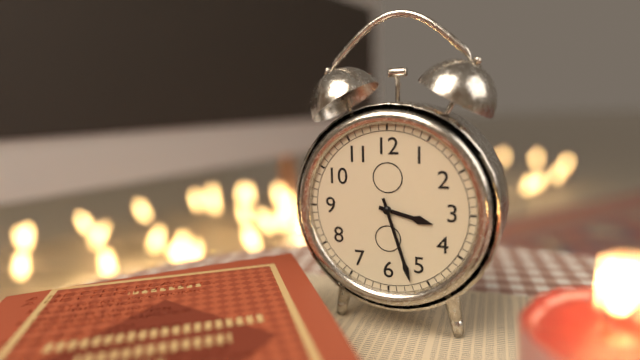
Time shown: **3:27**
